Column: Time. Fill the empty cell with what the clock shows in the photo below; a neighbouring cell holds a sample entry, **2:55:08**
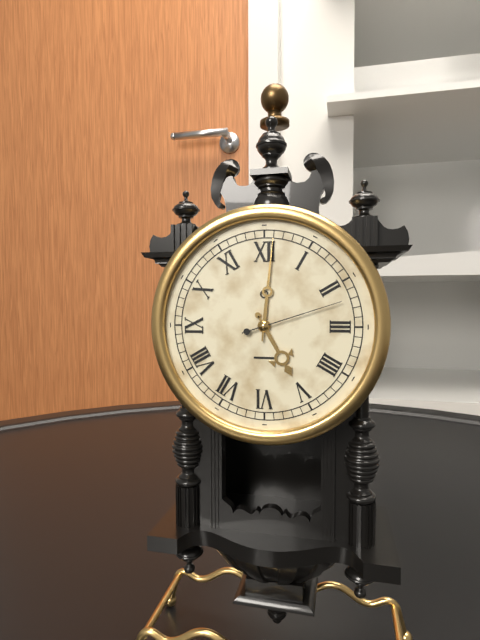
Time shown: **5:01:12**
